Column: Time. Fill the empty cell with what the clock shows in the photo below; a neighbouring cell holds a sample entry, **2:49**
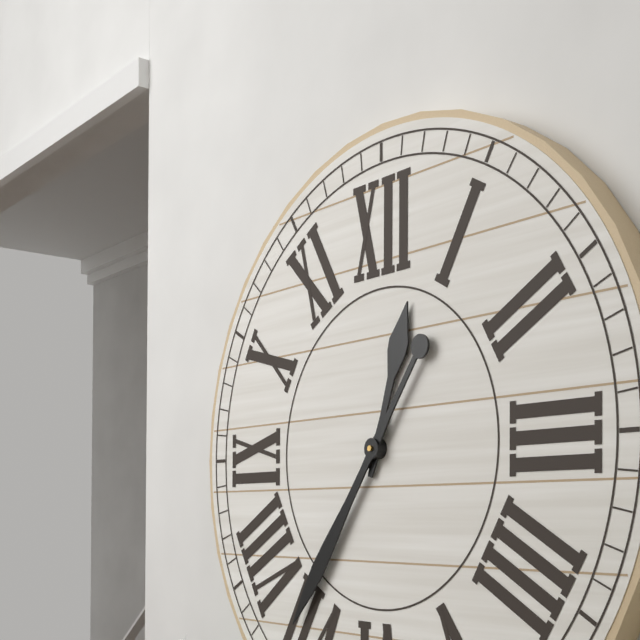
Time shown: **12:36**
